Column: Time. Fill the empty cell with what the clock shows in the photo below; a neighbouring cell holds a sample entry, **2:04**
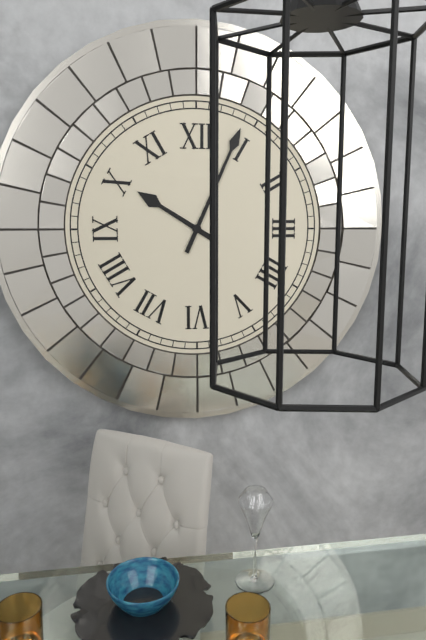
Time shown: **10:04**
